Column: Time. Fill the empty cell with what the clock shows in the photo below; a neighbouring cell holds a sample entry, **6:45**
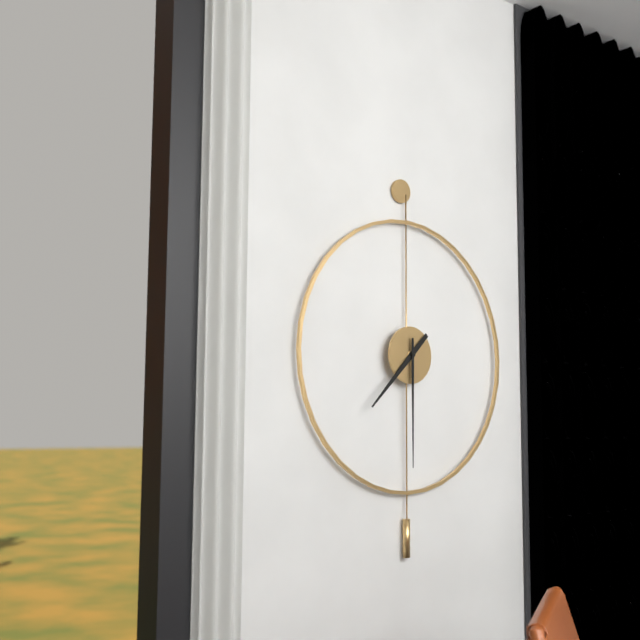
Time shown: **7:30**
